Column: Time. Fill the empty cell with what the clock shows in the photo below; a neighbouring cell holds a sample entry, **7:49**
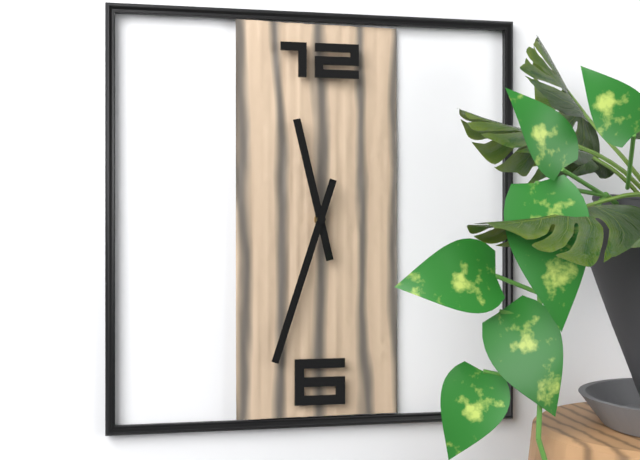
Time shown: **11:33**
